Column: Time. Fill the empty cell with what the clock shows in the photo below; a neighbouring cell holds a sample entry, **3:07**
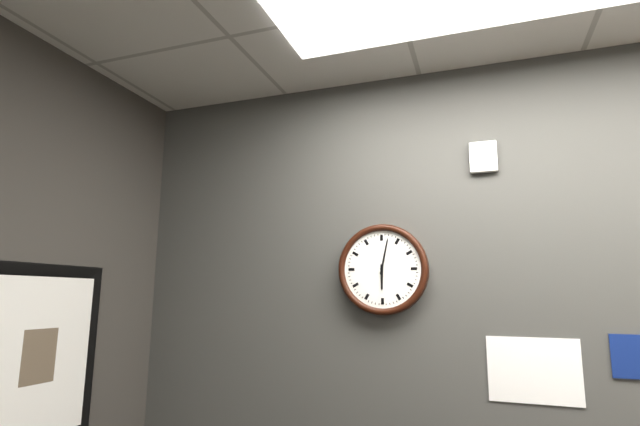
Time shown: **6:02**
